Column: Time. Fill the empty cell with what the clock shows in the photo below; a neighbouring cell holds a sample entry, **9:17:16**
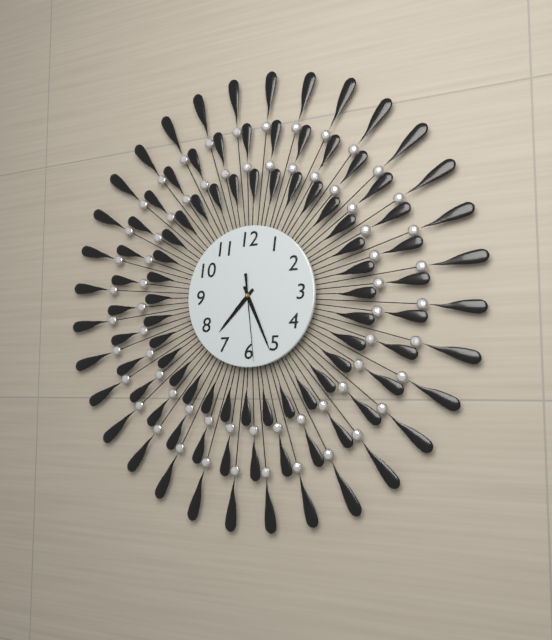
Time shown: **7:26:29**
